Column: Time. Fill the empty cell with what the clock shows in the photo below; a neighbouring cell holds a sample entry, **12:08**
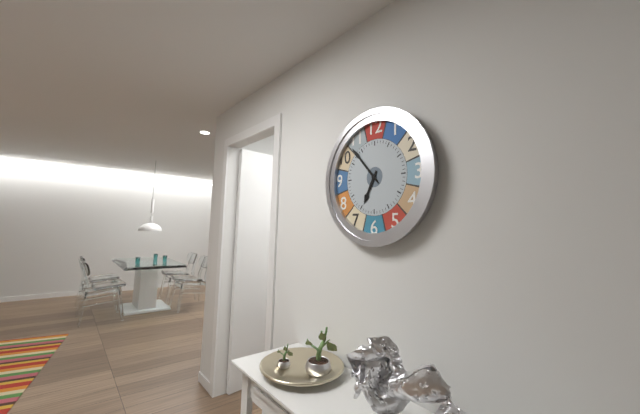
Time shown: **6:53**
